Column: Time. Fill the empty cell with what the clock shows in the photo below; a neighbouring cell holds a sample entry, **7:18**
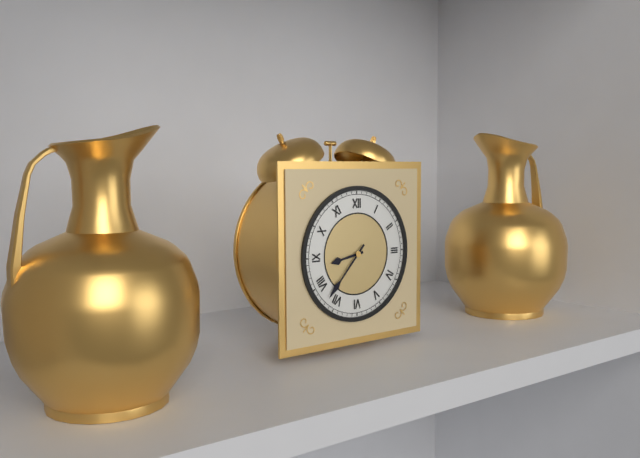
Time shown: **8:37**
